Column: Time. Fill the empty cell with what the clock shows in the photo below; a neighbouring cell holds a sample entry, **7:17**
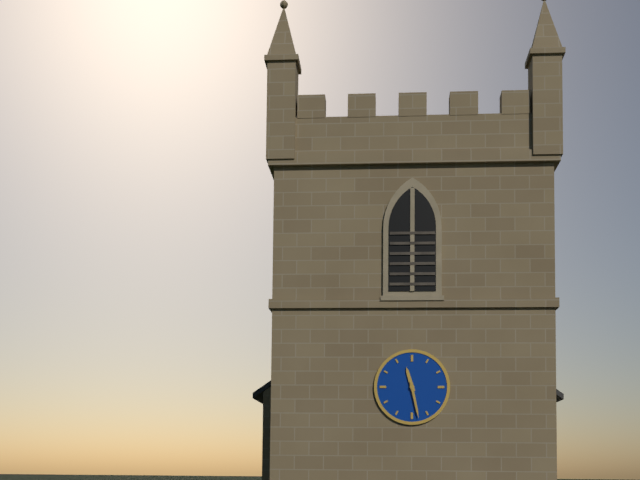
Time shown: **11:28**
